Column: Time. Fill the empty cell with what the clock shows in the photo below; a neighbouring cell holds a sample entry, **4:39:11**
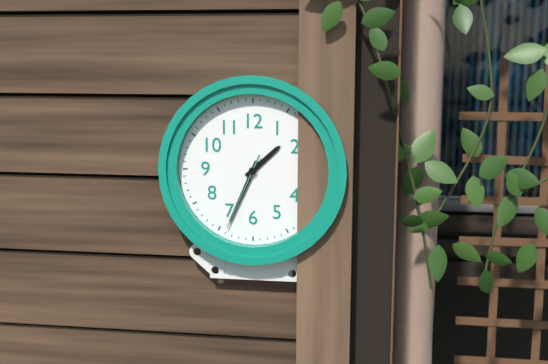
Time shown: **1:34:34**
